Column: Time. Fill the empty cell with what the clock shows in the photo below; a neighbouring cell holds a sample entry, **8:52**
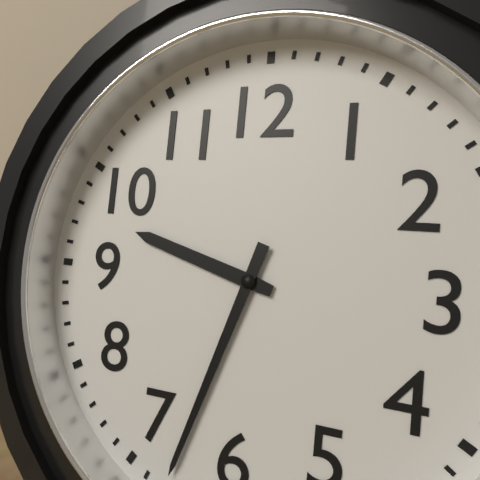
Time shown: **9:33**
